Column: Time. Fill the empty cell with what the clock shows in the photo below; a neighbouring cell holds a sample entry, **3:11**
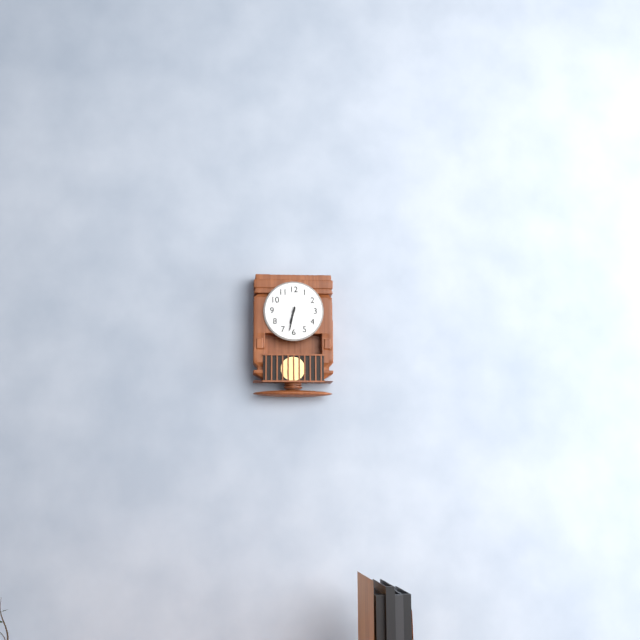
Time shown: **6:32**
